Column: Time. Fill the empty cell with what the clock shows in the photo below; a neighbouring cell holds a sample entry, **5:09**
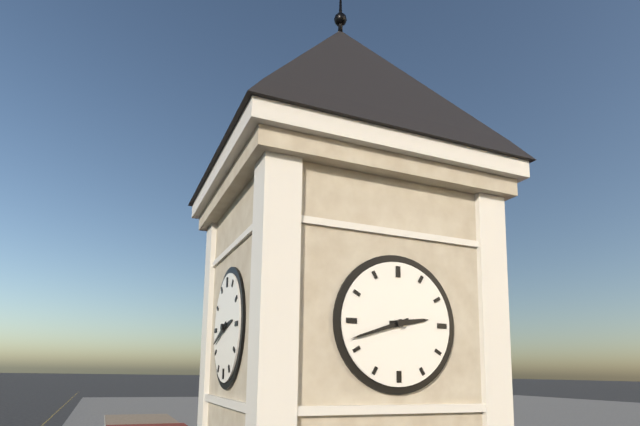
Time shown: **2:42**
